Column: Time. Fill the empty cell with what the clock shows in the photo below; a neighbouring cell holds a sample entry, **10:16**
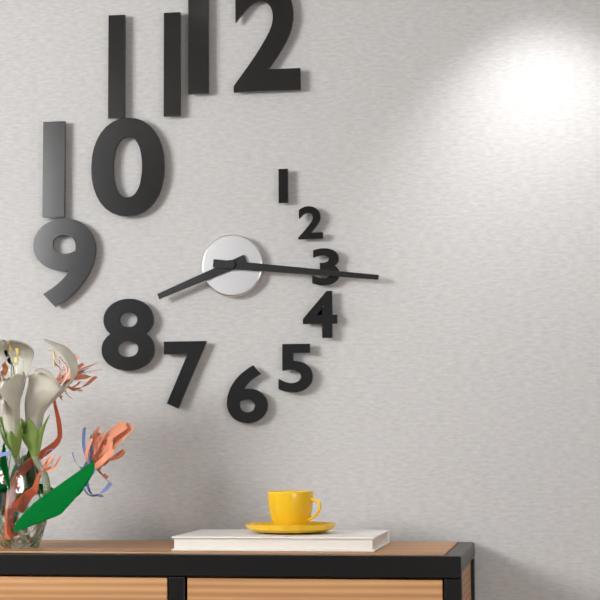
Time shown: **8:16**
